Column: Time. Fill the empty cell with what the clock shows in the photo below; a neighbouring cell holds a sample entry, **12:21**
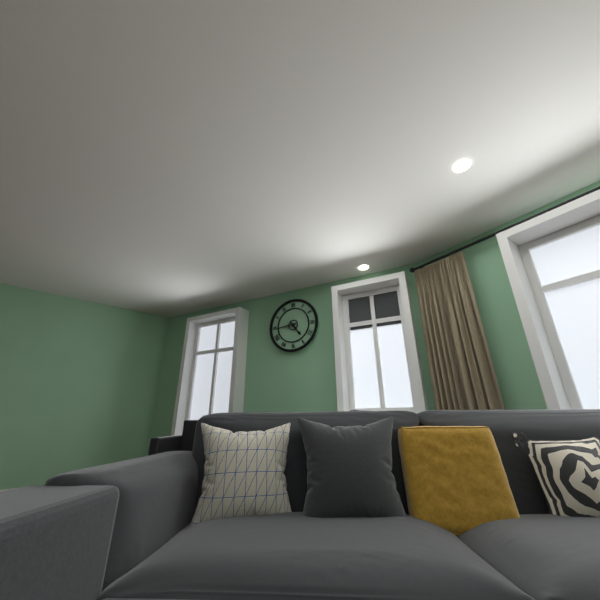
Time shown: **4:44**
